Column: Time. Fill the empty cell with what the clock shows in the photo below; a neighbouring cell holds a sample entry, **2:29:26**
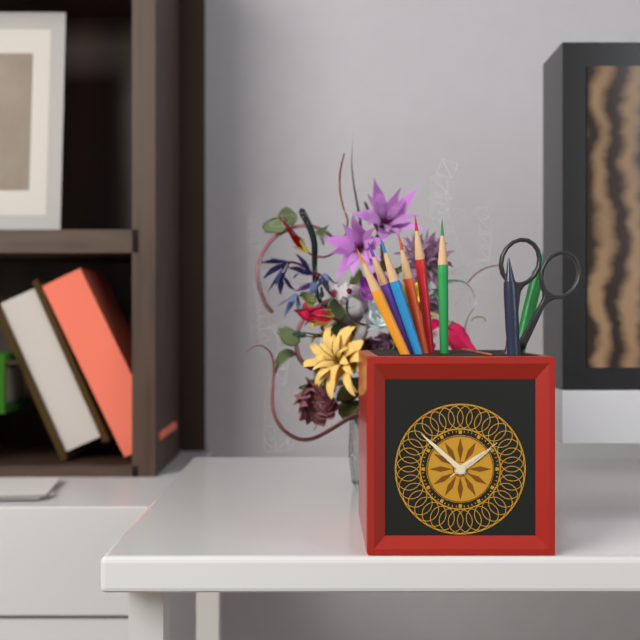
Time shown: **1:52:09**
